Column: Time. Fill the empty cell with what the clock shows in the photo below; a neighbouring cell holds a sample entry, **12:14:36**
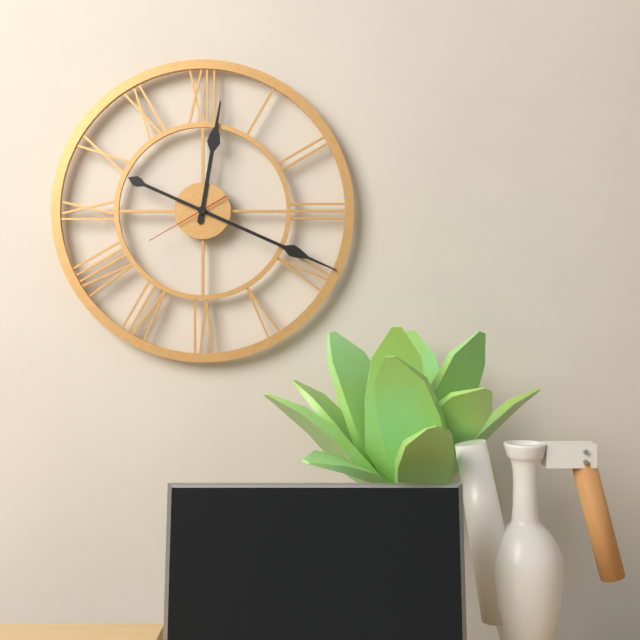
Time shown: **12:19:40**
